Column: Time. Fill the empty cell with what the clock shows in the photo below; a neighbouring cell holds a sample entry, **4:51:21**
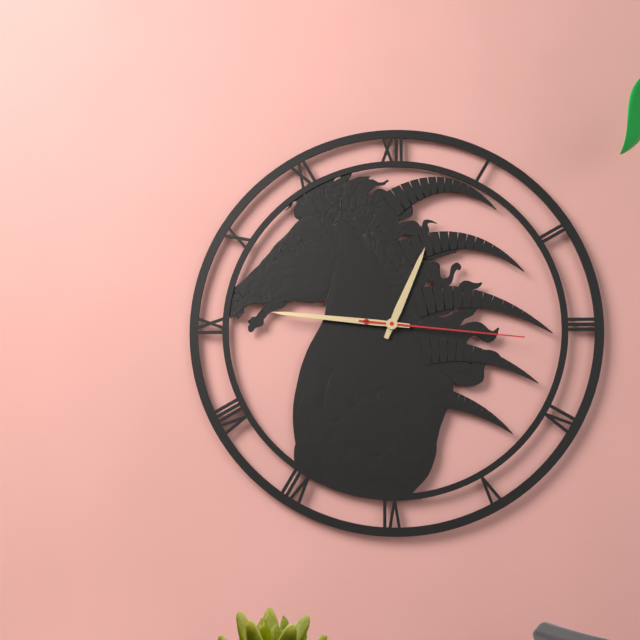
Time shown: **12:46:16**
